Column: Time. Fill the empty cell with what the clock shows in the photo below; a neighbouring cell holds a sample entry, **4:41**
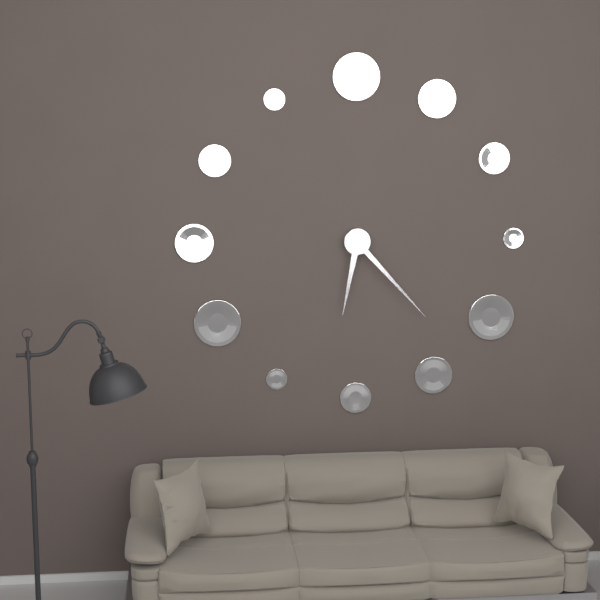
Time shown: **6:23**
